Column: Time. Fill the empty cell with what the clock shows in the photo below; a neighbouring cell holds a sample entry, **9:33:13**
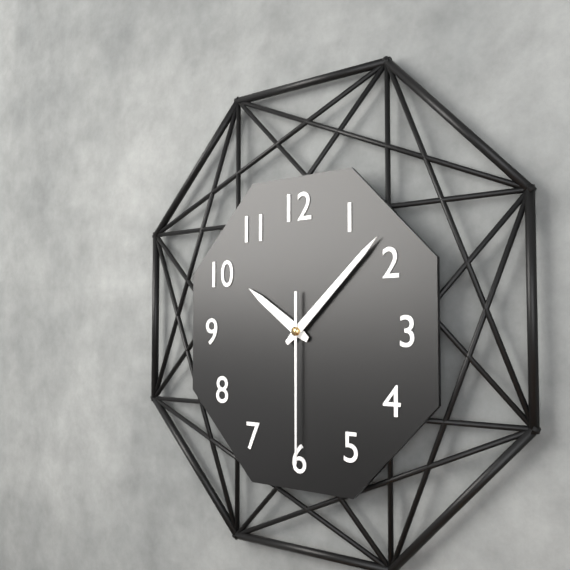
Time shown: **10:08:30**
